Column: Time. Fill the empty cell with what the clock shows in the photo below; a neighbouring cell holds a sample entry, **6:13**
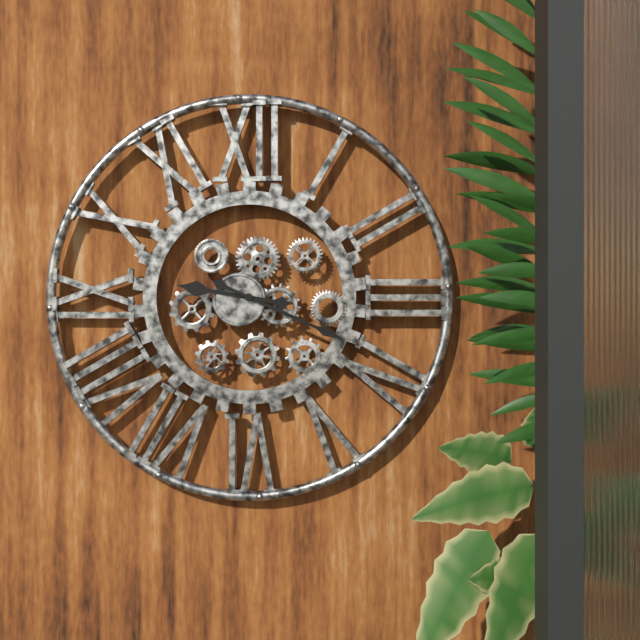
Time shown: **9:19**
